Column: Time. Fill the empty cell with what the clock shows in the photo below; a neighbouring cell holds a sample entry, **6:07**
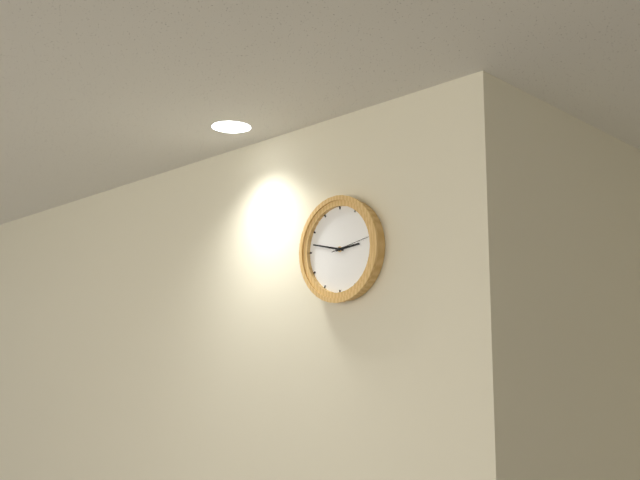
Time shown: **2:47**
